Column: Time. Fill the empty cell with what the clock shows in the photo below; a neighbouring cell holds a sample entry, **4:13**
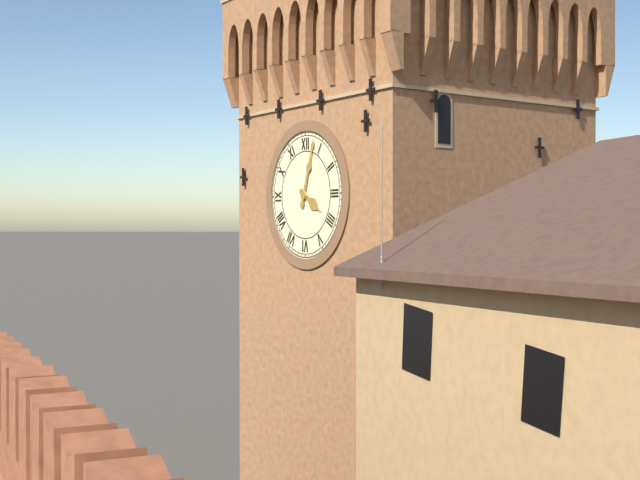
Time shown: **4:03**
